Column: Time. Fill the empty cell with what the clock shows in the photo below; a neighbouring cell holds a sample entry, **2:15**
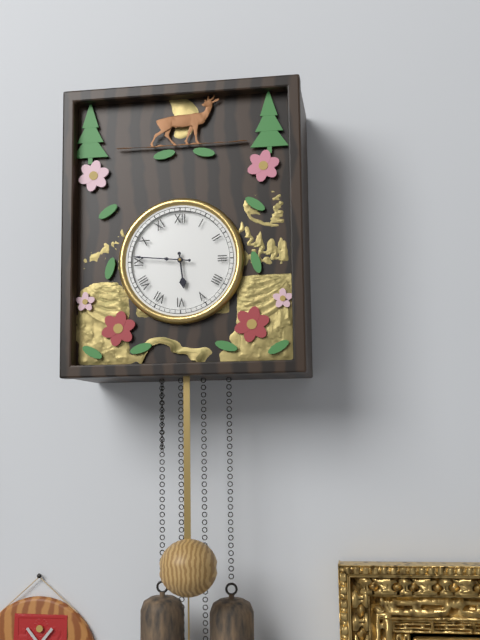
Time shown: **5:46**
